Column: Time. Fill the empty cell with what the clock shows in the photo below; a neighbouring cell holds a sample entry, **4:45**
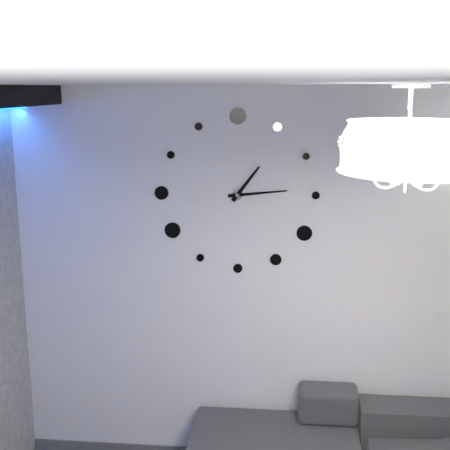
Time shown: **1:14**
